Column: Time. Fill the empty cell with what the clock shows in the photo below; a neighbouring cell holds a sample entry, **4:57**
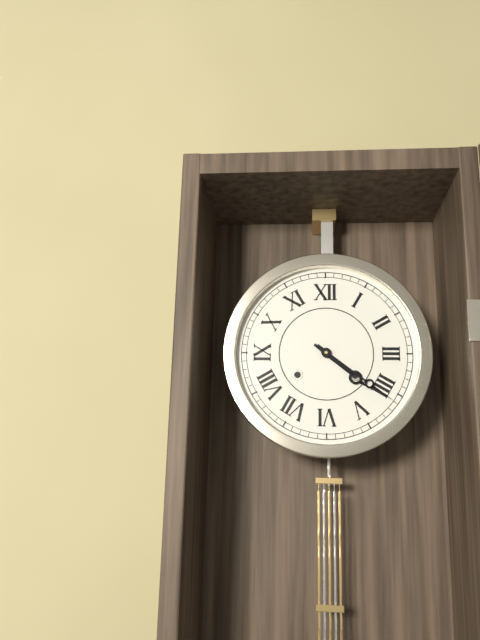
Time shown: **4:21**
